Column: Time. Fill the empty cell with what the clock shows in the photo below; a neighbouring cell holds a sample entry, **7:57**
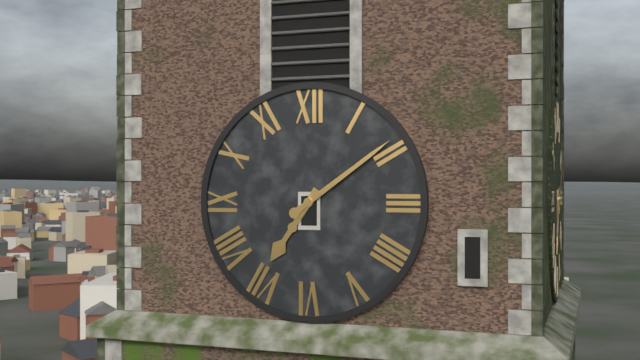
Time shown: **7:09**
